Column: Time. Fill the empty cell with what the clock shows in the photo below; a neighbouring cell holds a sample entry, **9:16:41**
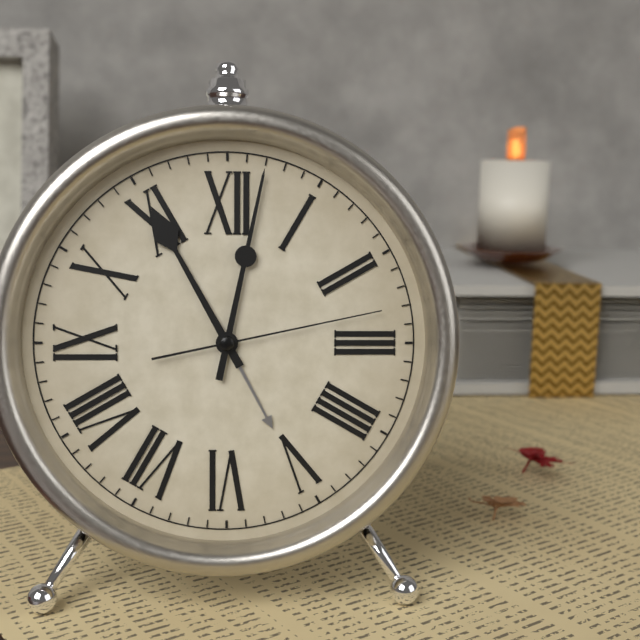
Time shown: **11:02:13**
